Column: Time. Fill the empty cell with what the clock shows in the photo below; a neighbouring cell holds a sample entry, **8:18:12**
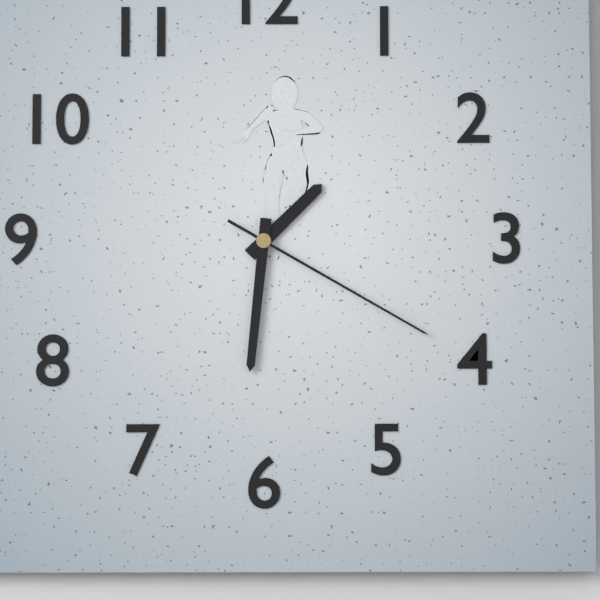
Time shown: **1:31:20**
